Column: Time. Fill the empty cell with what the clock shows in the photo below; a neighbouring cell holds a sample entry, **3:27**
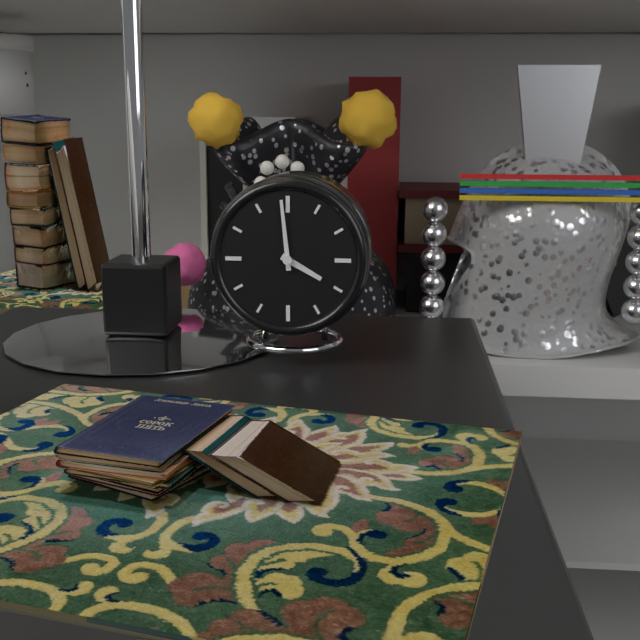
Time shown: **3:59**
